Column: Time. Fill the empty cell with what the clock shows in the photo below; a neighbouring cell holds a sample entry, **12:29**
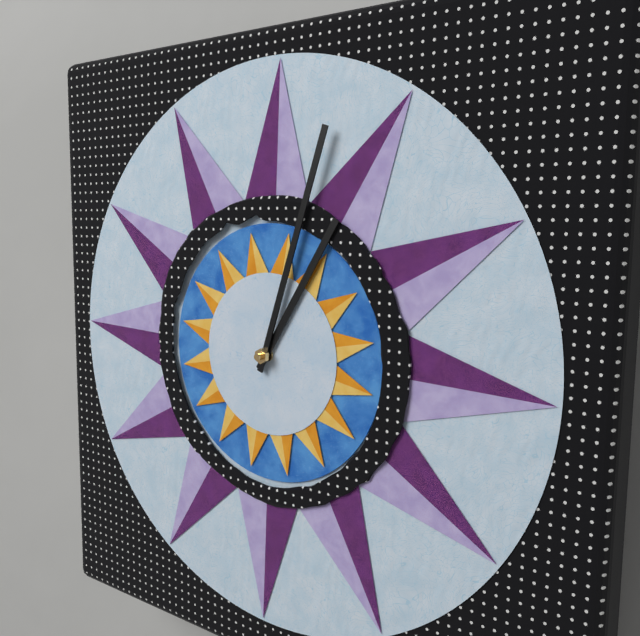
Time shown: **1:03**
